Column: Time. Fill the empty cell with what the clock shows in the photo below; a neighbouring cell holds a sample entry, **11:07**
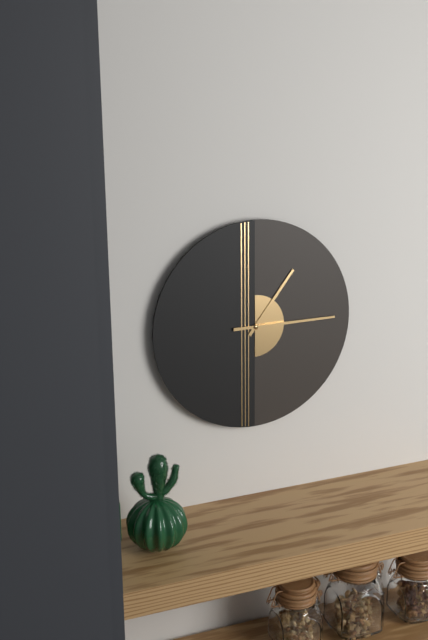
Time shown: **1:15**
